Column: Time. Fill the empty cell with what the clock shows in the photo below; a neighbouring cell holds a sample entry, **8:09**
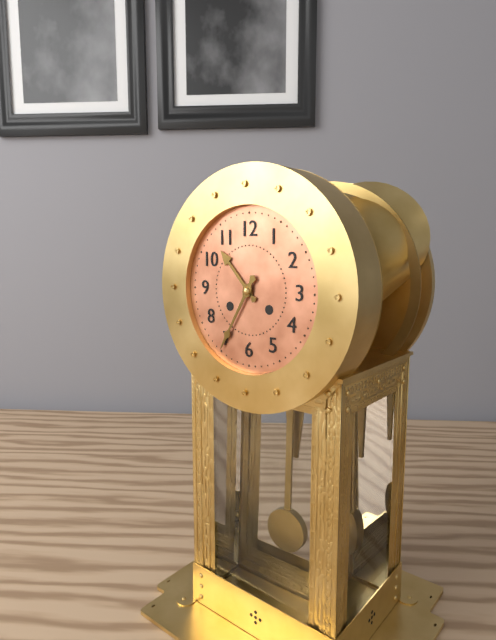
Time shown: **10:35**
